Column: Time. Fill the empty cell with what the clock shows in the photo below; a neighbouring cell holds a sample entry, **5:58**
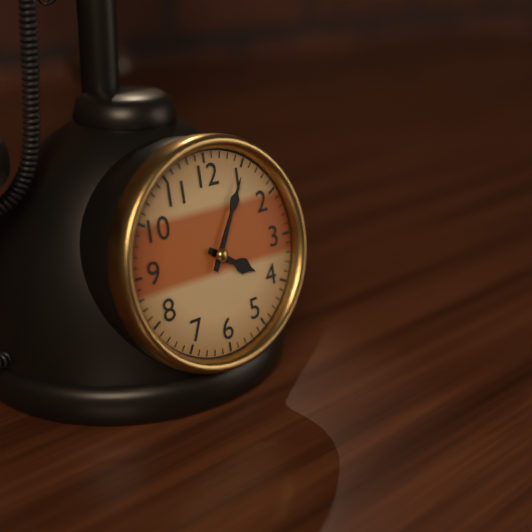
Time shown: **4:05**
